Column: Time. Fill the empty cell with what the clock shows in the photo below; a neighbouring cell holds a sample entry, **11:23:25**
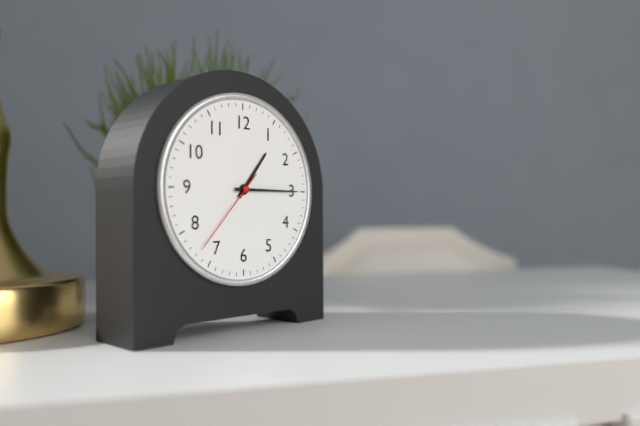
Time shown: **1:15:37**
